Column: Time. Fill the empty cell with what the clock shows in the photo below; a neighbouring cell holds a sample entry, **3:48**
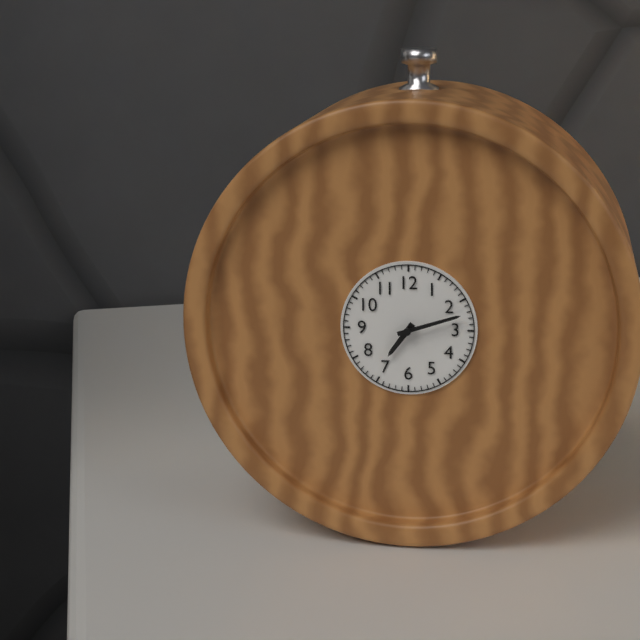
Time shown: **7:12**
